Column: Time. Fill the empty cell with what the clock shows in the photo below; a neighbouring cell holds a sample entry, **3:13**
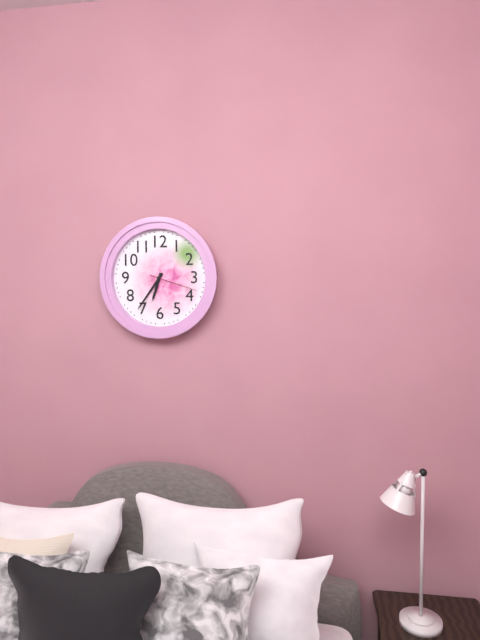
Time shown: **6:36**
